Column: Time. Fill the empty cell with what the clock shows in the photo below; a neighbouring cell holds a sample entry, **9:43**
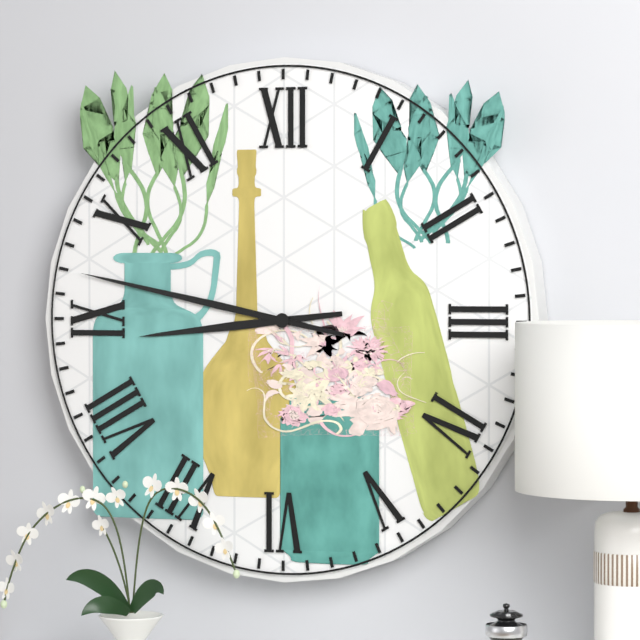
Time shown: **8:47**
